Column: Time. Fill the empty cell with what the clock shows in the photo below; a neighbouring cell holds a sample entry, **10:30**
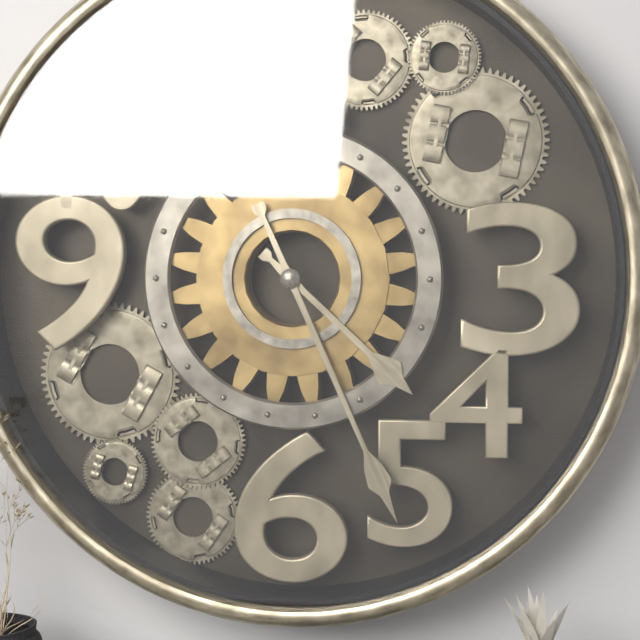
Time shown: **4:26**
